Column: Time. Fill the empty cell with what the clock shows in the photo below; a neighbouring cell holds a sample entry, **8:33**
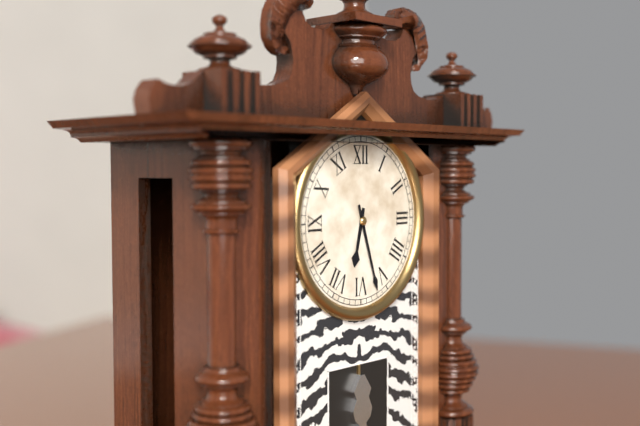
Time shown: **6:27**
